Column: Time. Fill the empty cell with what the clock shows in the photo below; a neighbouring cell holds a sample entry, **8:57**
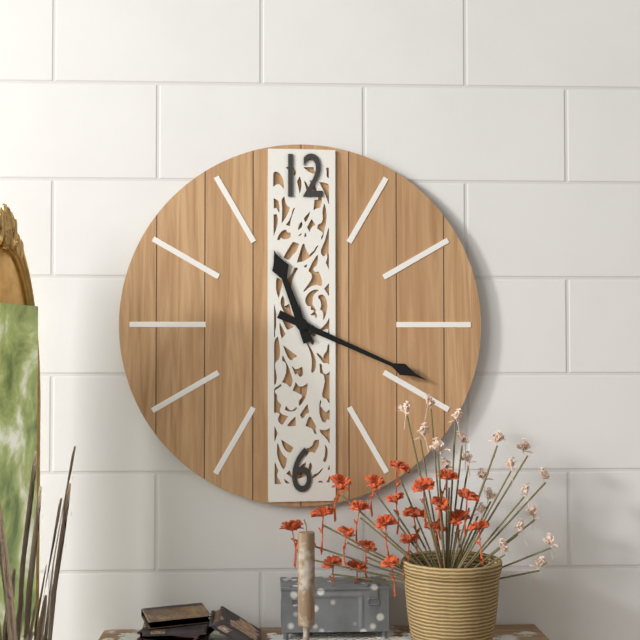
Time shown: **11:19**
